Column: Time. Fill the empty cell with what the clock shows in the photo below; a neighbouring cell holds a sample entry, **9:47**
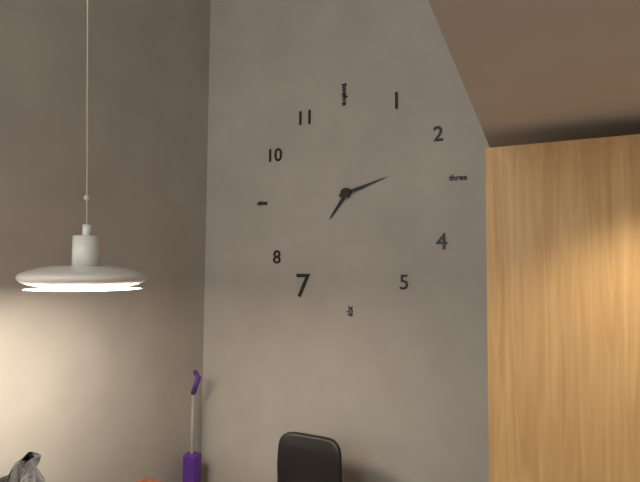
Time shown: **7:12**
